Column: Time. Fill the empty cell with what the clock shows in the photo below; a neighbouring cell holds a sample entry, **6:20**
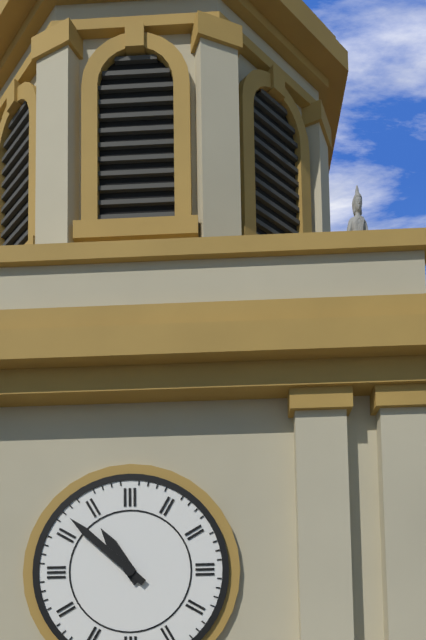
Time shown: **10:52**
